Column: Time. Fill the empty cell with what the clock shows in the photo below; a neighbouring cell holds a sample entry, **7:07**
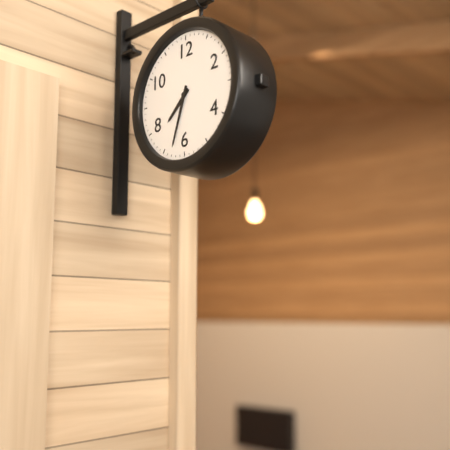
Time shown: **7:33**
